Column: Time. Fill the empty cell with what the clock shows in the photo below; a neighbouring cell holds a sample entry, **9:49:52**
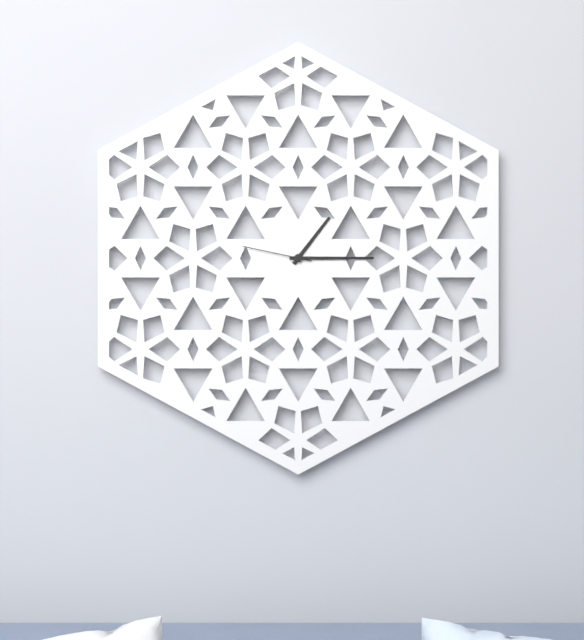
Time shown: **1:15:47**
